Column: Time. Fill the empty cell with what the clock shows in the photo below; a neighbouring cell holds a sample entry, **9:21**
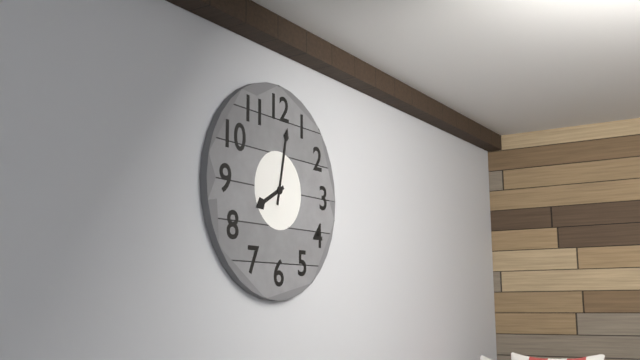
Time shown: **8:02**
